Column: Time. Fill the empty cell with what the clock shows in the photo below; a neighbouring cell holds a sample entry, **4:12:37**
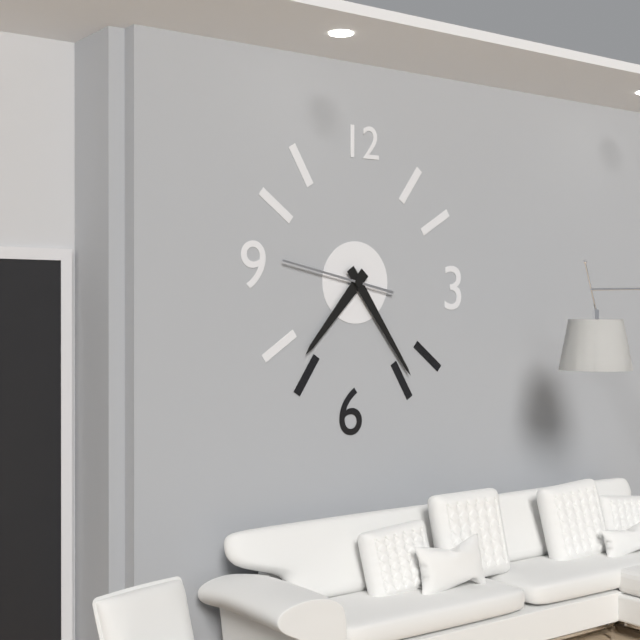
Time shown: **7:24:47**
